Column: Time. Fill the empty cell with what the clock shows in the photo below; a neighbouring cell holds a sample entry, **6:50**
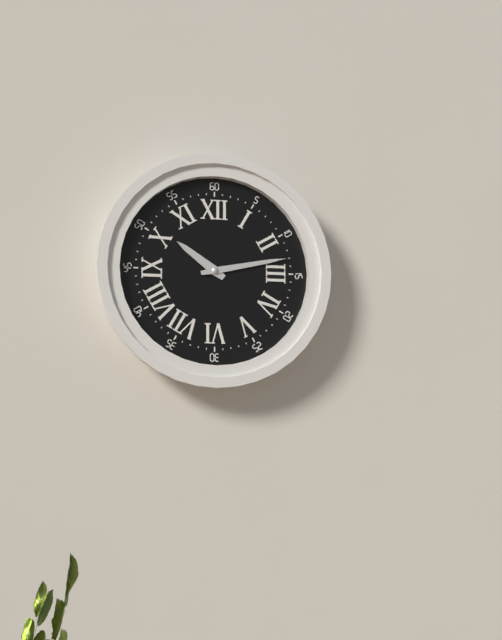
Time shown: **10:13**
